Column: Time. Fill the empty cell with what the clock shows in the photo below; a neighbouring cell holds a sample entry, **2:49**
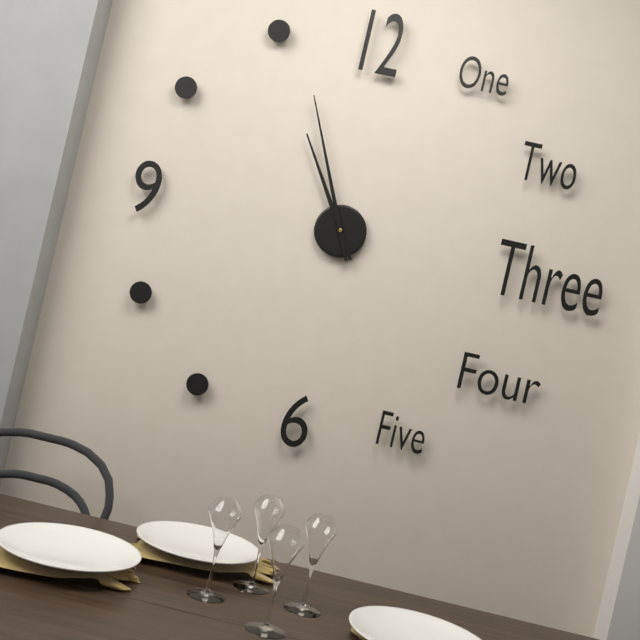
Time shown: **10:56**
